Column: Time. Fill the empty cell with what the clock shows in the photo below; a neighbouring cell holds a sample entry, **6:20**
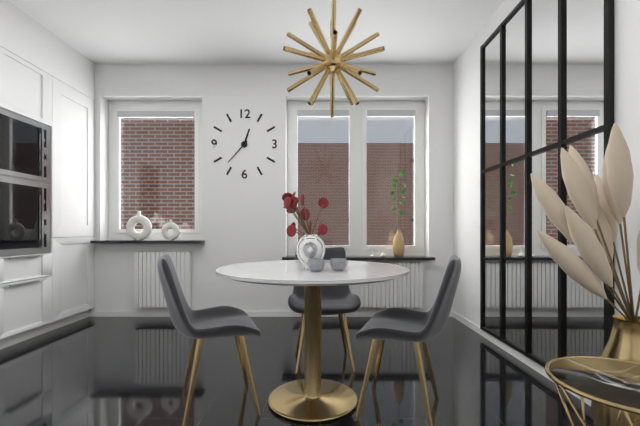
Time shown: **12:37**
